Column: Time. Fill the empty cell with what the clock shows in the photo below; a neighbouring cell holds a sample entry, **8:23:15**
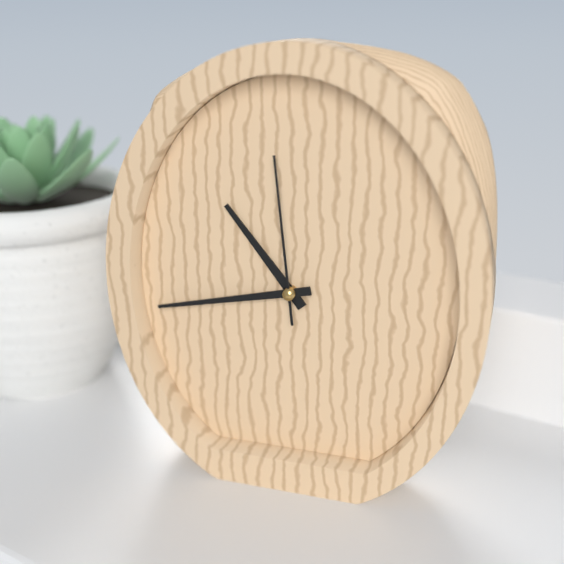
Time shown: **10:43:59**
